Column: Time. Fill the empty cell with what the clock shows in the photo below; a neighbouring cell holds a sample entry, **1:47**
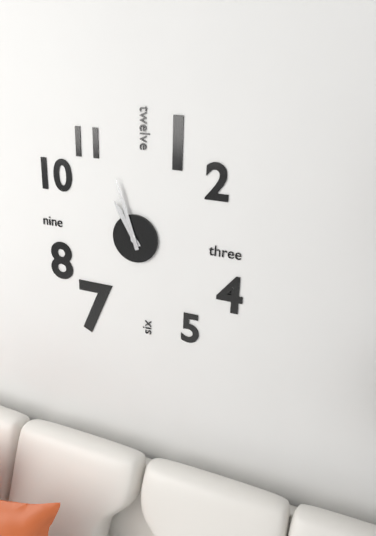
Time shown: **10:57**
